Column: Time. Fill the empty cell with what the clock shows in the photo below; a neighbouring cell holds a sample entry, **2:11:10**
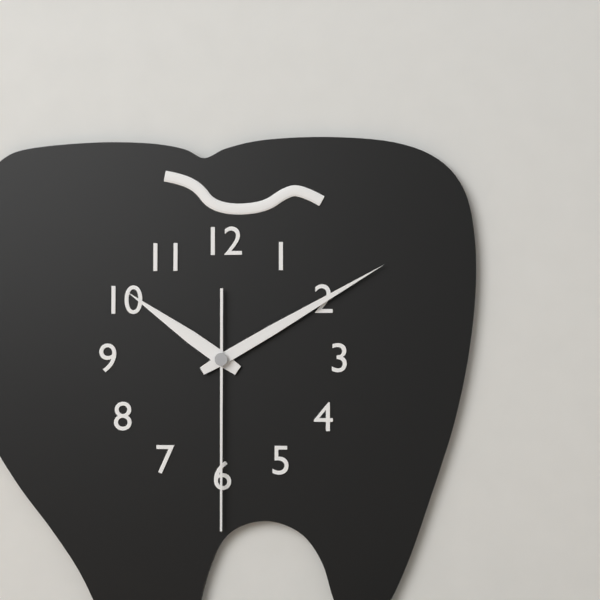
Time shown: **10:10:30**
